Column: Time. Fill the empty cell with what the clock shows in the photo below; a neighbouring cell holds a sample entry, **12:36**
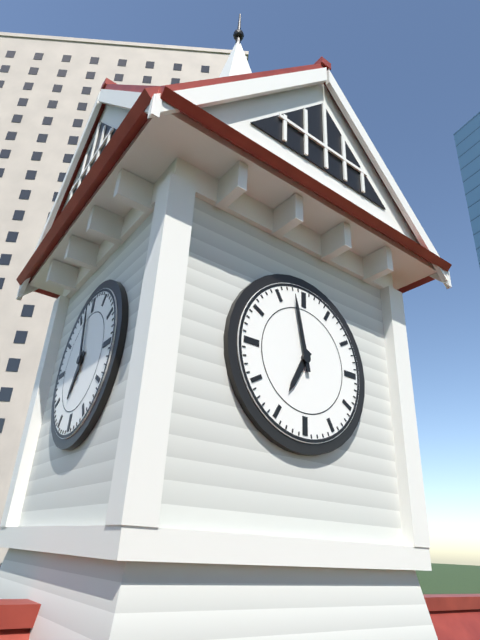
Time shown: **6:58**
